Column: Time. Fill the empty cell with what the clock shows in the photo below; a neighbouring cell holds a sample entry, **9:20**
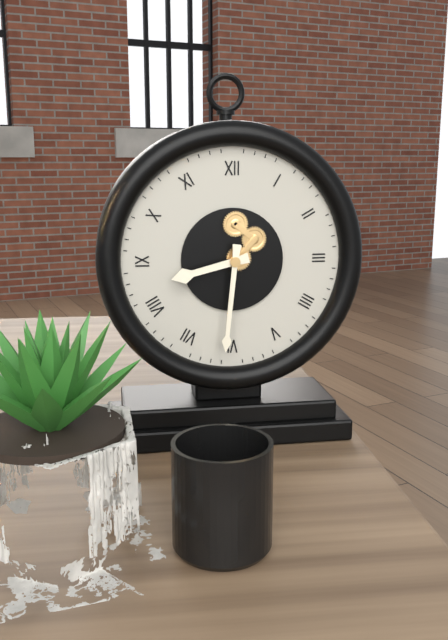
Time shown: **8:31**
